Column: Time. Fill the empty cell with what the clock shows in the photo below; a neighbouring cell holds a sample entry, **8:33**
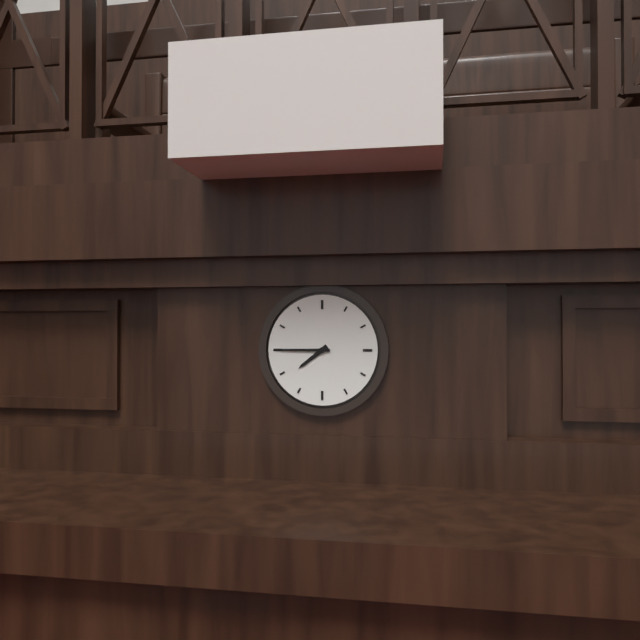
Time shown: **7:45**
